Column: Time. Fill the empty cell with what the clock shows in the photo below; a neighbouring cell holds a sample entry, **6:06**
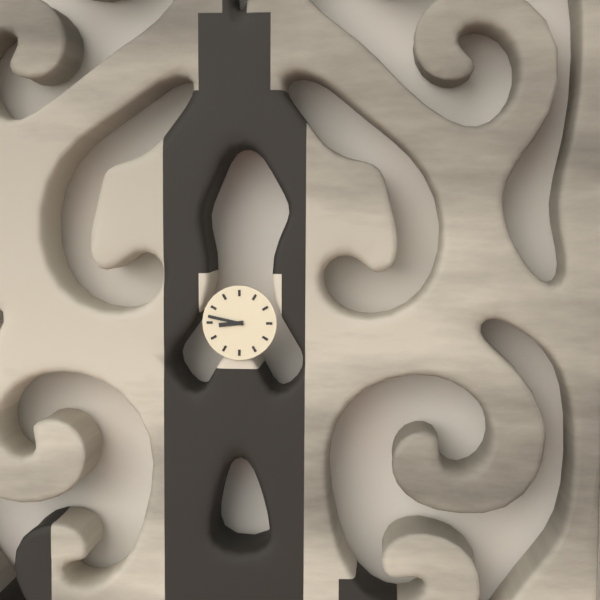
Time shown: **8:47**
